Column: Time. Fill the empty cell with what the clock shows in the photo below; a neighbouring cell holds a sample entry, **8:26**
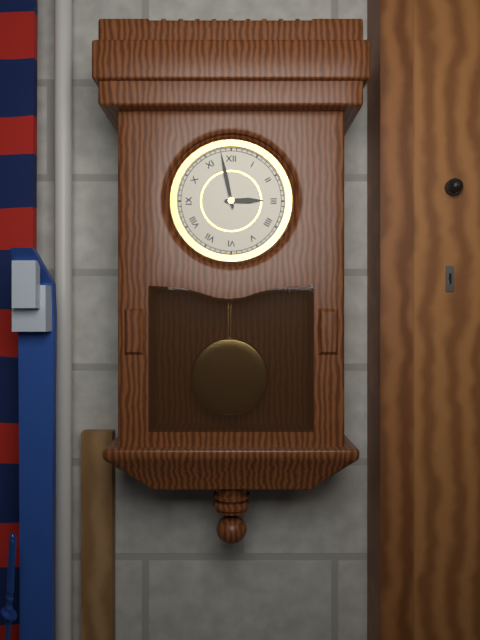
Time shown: **2:58**
